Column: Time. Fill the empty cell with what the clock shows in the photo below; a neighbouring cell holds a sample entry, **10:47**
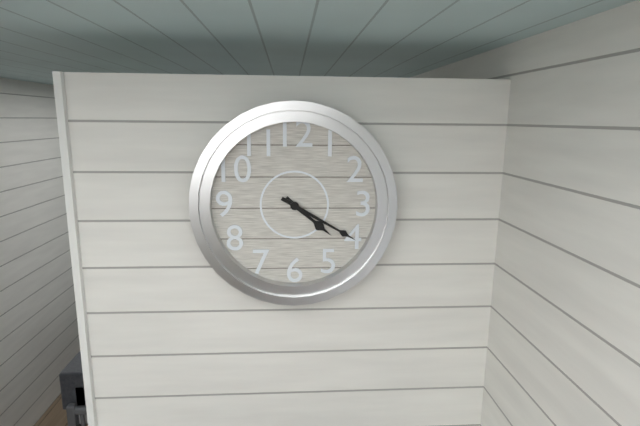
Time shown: **4:20**
